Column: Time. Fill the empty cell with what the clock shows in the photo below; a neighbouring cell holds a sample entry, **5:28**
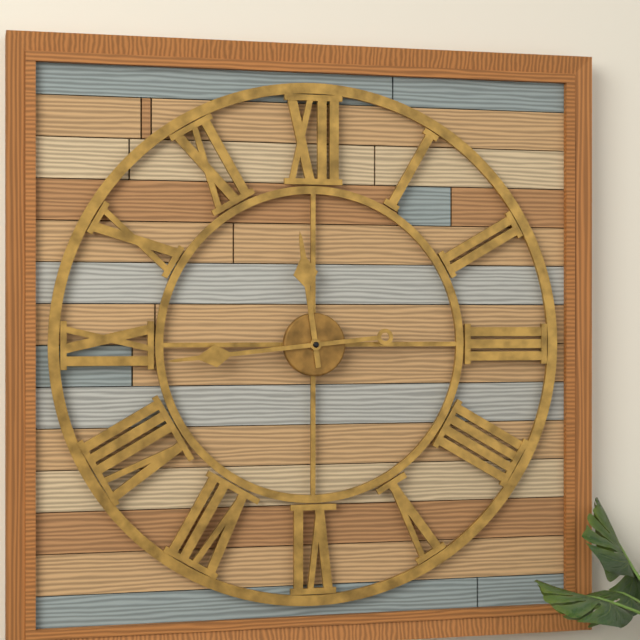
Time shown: **11:44**
